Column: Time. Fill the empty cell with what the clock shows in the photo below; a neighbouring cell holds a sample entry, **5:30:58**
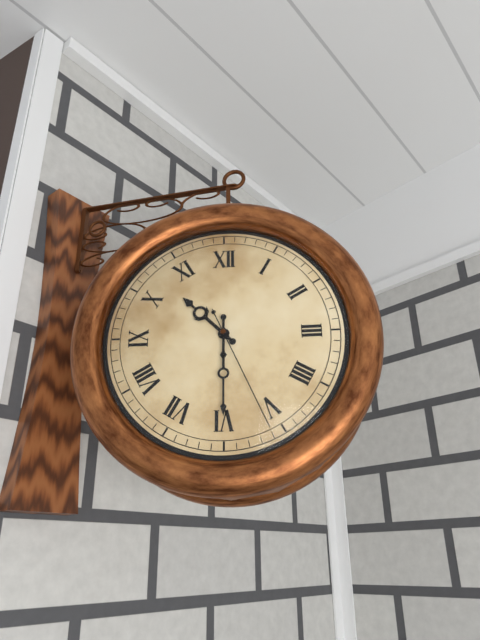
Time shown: **10:30:26**
